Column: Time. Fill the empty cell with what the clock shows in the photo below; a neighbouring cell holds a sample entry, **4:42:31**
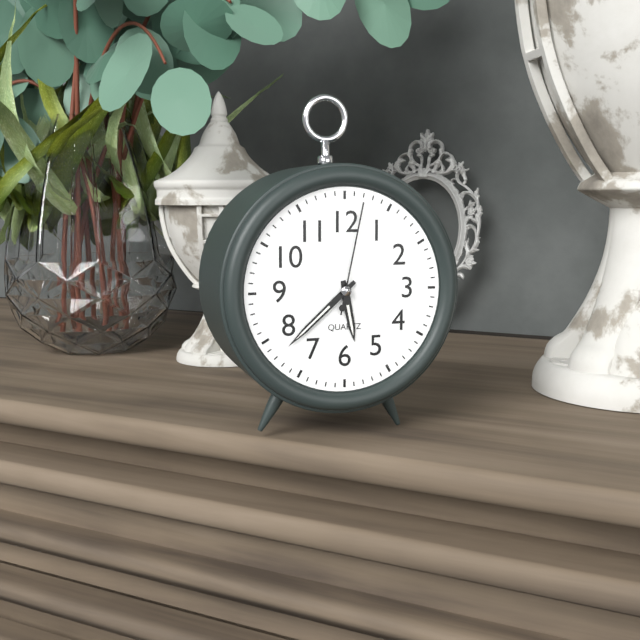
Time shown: **5:38:02**
